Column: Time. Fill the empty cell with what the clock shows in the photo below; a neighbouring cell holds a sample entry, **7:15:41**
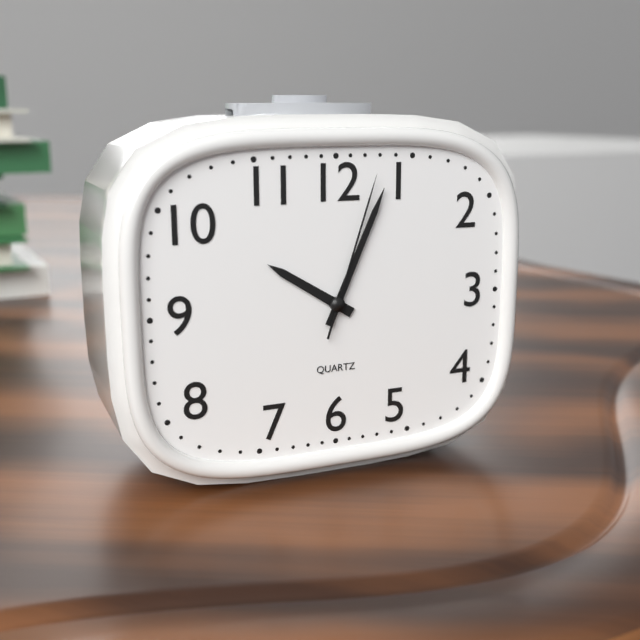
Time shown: **10:04:03**
